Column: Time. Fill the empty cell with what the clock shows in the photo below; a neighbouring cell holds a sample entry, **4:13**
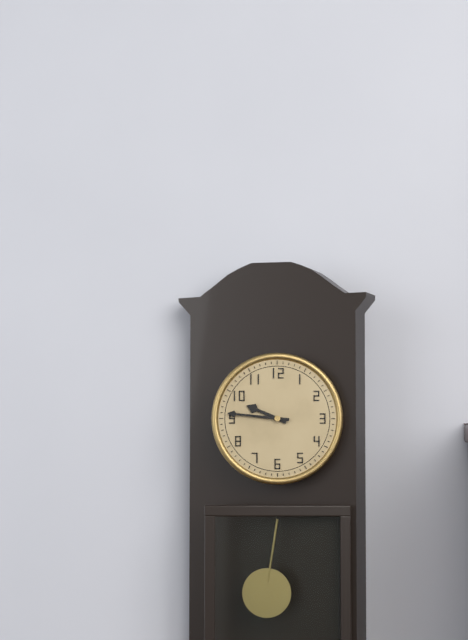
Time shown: **9:46**
